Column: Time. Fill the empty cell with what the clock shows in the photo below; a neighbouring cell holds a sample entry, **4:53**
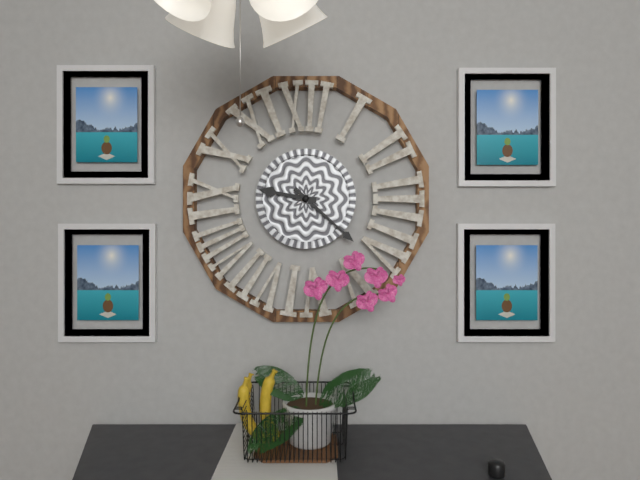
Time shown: **9:22**
